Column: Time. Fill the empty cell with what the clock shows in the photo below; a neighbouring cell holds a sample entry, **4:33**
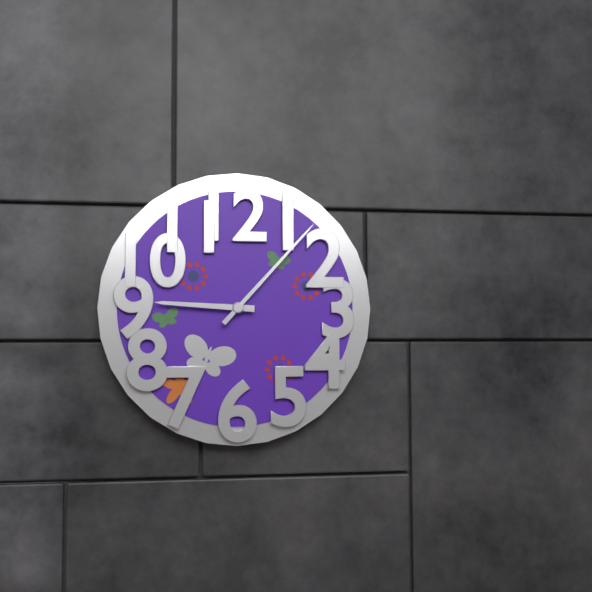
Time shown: **9:07**
